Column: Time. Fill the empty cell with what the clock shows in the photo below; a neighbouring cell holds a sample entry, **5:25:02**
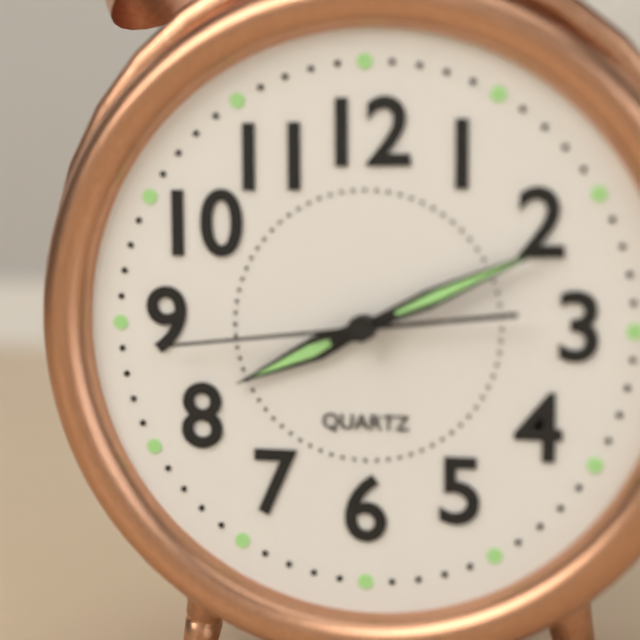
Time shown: **8:11:44**
